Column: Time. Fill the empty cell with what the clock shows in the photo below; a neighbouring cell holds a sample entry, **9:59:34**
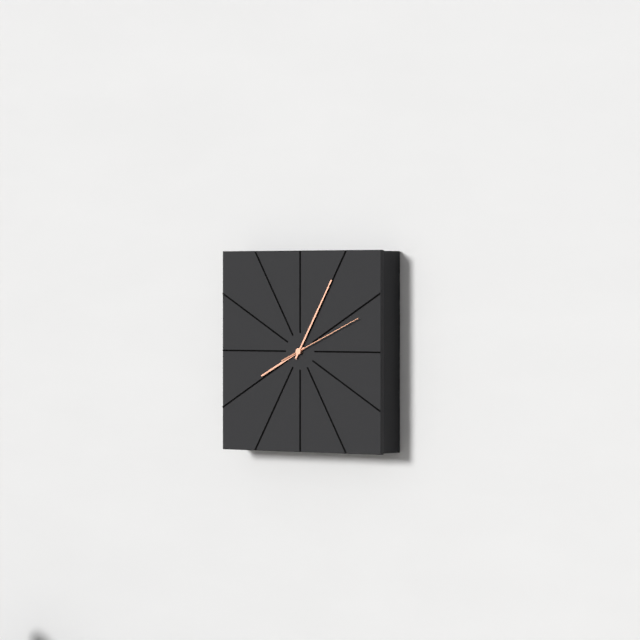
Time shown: **8:05:11**
